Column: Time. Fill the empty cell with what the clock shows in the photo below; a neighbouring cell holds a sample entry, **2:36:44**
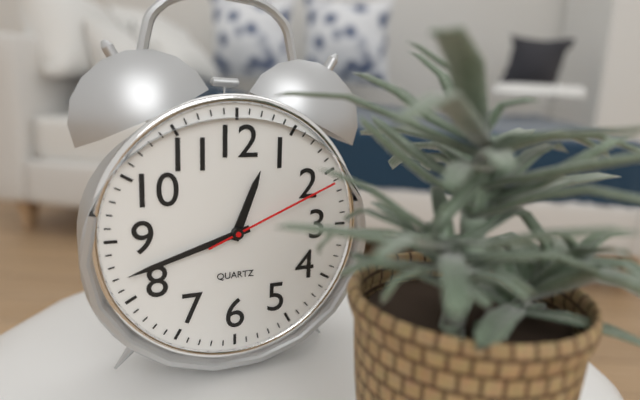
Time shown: **12:42:11**
